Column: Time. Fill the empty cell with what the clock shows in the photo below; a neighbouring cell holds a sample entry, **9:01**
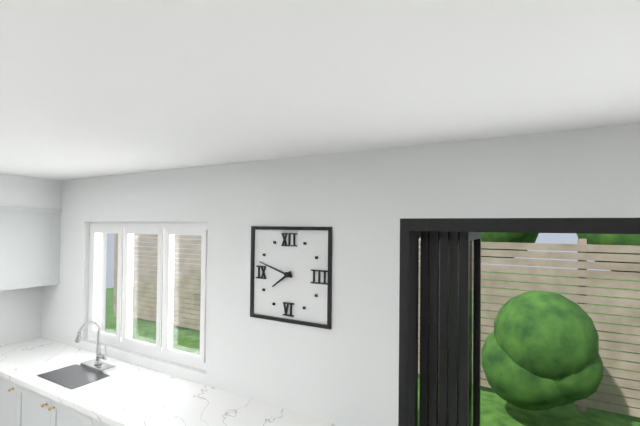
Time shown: **7:48**
